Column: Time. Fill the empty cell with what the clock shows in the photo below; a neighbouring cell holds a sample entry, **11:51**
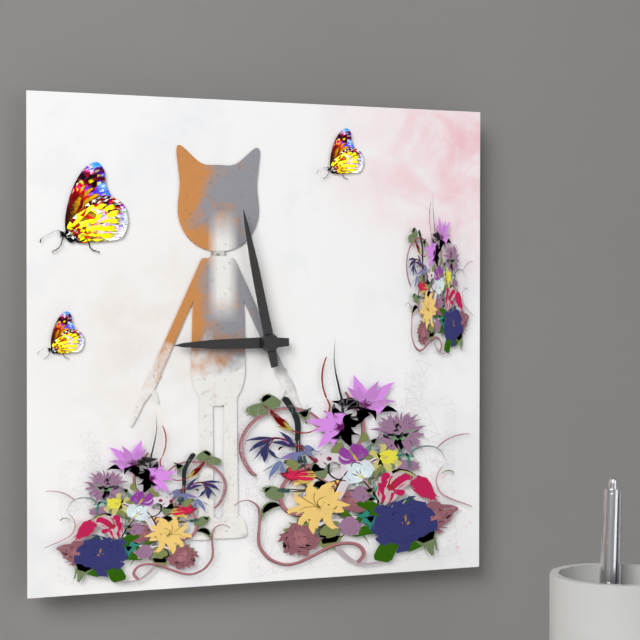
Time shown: **8:58**
